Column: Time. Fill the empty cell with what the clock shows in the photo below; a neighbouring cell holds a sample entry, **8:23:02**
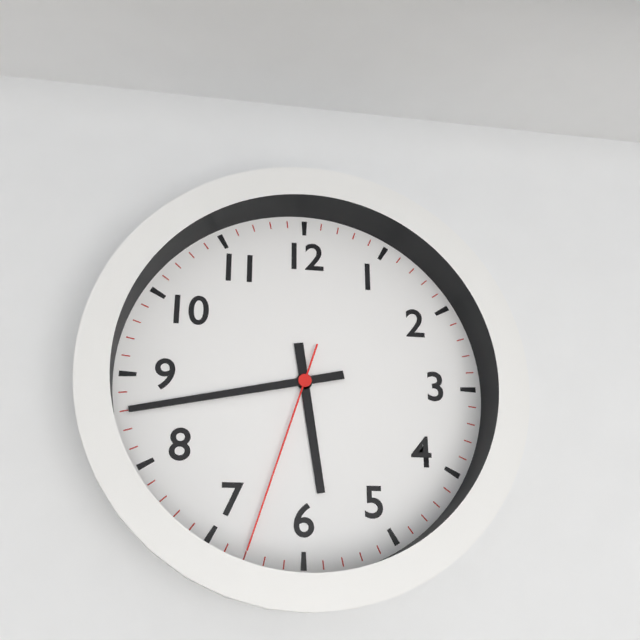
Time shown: **5:43:33**
